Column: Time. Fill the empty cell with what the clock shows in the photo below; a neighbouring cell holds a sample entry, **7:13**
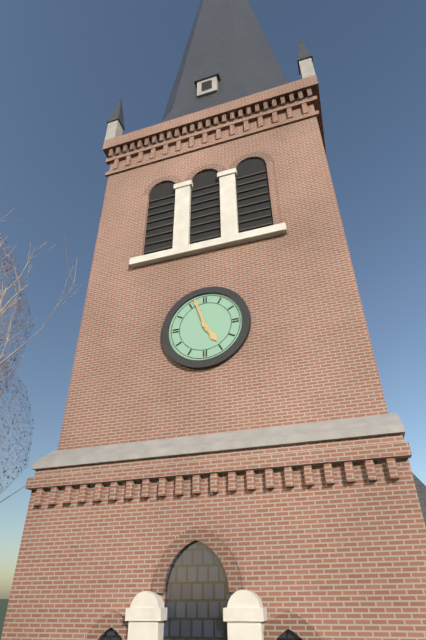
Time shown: **4:57**
